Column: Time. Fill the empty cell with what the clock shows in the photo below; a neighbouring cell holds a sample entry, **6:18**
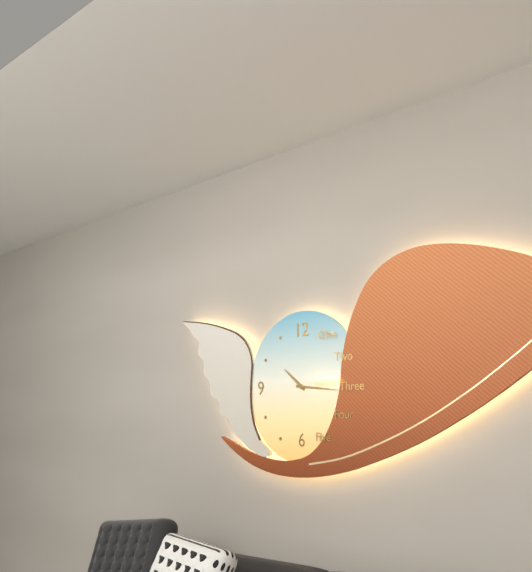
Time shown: **10:16**
